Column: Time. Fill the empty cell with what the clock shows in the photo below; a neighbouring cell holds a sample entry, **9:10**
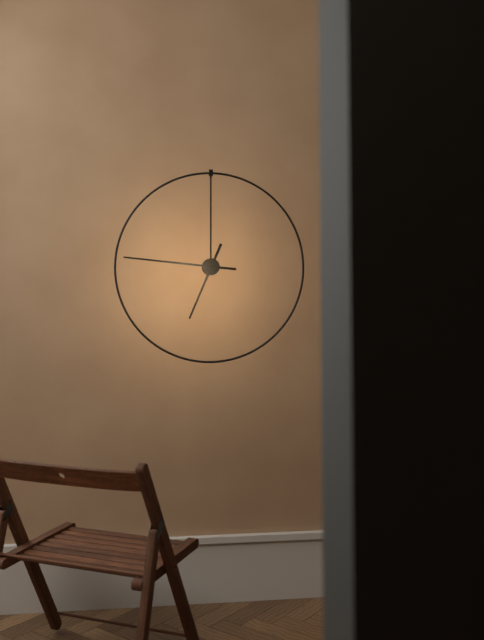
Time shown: **6:46**
